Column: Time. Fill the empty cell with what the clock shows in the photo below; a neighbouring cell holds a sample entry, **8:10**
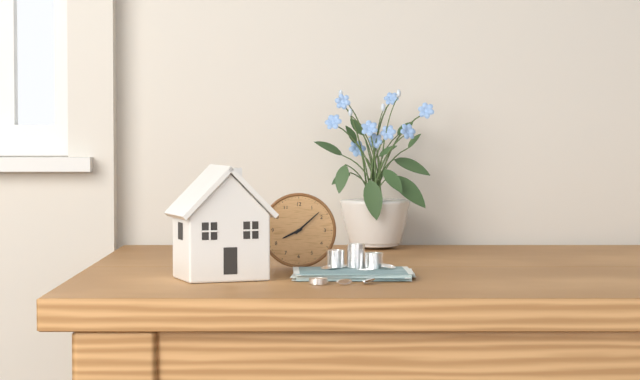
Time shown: **8:08**
